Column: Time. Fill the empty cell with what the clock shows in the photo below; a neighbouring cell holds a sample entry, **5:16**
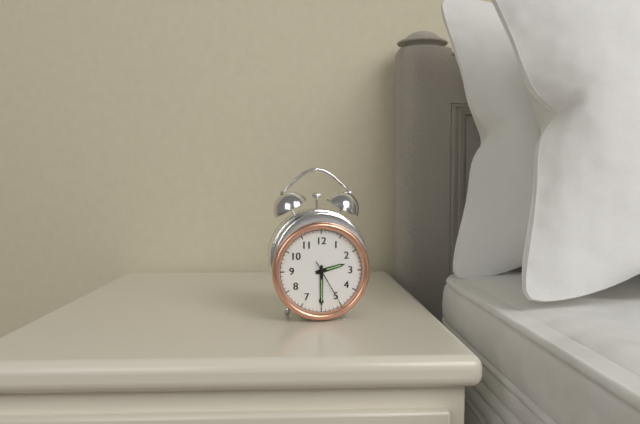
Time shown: **2:30**
